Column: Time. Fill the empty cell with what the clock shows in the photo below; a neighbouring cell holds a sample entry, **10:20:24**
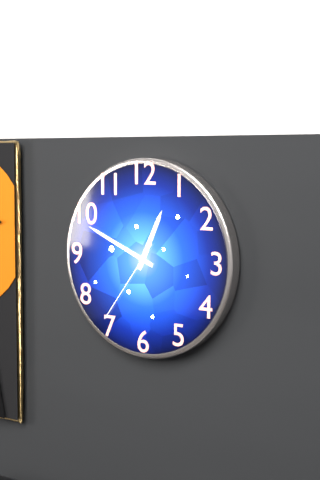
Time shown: **12:49:36**
